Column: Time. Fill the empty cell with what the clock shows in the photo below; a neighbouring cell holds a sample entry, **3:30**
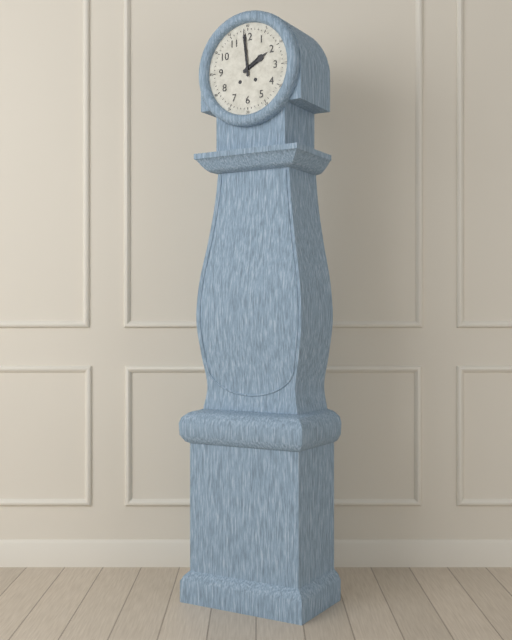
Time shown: **1:59**
